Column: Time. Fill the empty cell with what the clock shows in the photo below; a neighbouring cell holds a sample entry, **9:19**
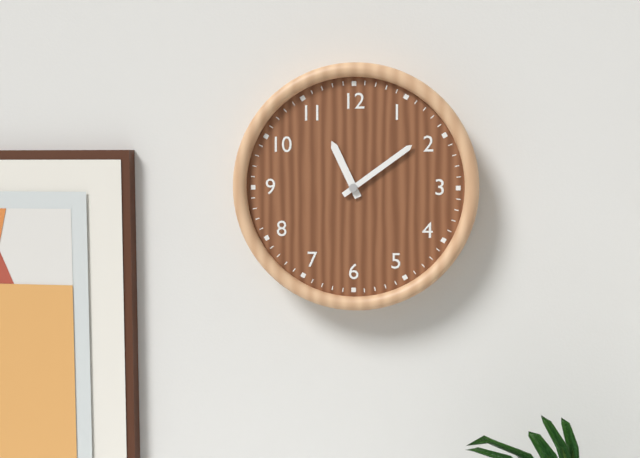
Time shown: **11:09**
